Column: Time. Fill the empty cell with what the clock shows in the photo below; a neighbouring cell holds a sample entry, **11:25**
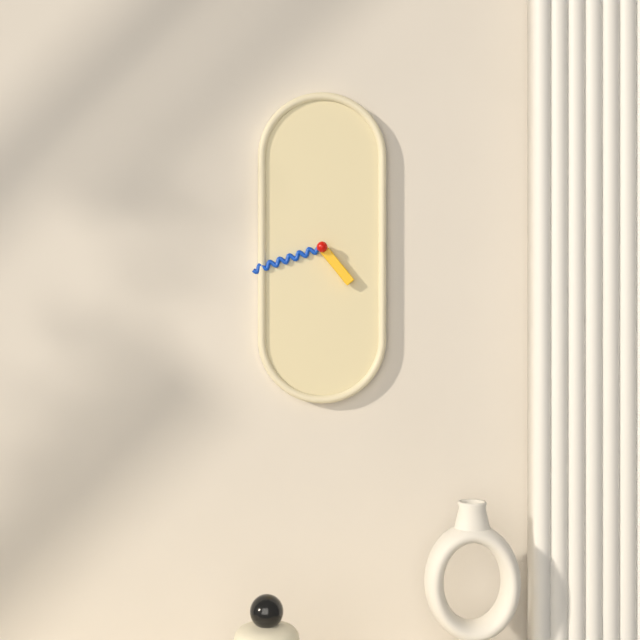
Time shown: **4:42**
